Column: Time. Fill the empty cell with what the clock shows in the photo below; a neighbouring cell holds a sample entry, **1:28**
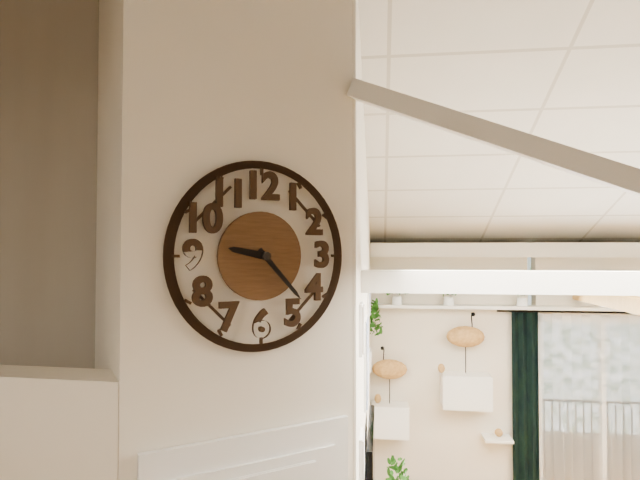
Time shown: **9:23**
